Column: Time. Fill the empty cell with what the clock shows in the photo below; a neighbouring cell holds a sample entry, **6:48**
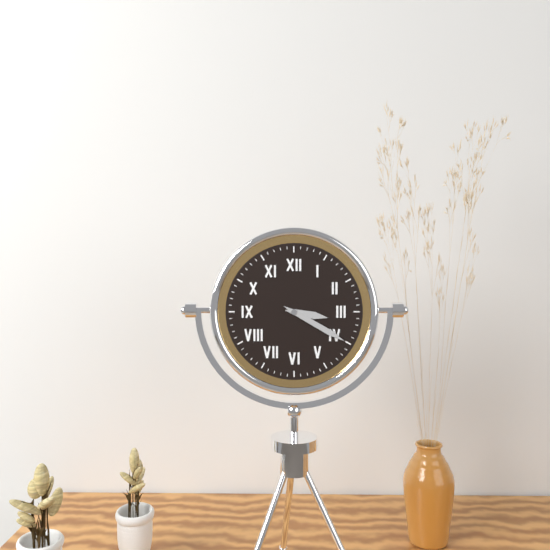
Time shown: **3:20**
